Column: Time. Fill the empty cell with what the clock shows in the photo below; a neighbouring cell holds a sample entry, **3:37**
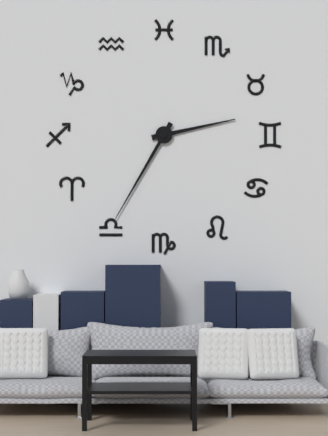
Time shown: **2:35**
